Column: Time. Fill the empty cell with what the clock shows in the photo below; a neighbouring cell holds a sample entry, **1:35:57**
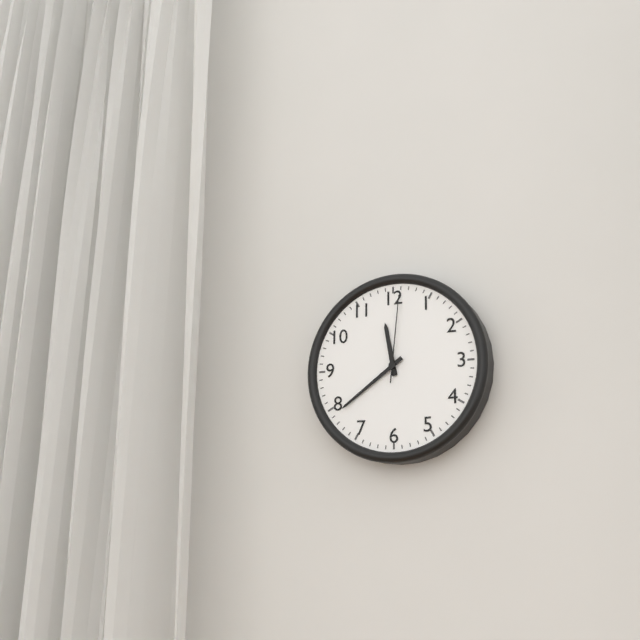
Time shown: **11:39:01**
